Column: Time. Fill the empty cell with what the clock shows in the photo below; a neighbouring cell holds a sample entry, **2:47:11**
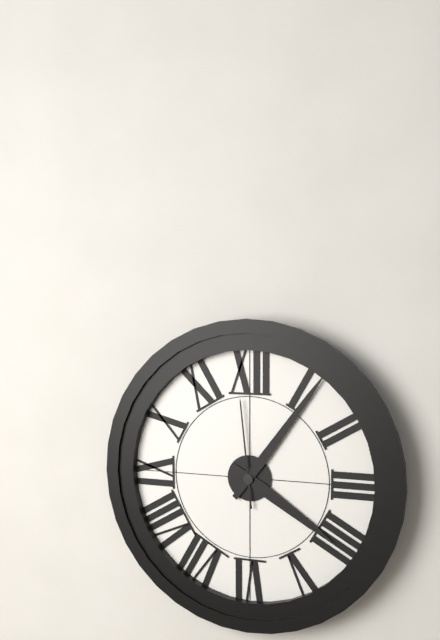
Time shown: **4:06:59**
